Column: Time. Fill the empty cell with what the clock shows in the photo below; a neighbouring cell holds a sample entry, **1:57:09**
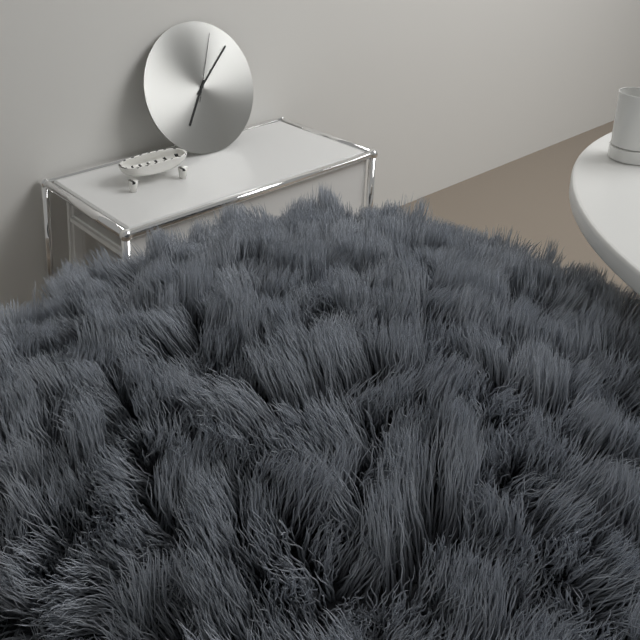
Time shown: **7:08:04**
